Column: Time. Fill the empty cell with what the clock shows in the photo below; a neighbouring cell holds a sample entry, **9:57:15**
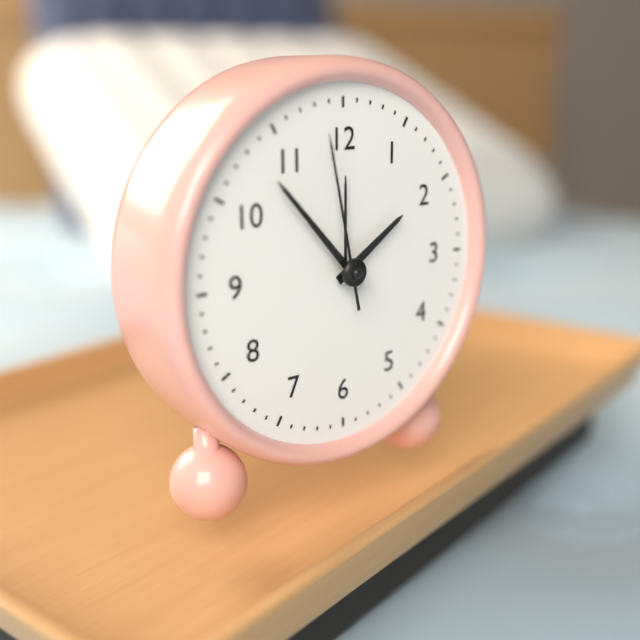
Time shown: **1:53:58**
